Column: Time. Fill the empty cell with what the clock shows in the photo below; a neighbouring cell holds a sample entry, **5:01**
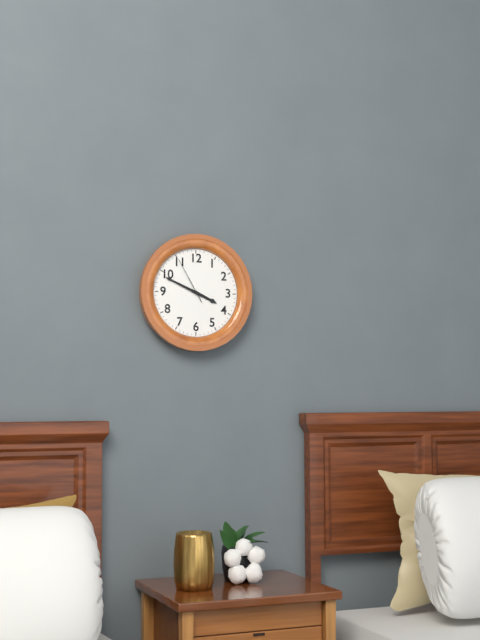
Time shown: **3:49**
